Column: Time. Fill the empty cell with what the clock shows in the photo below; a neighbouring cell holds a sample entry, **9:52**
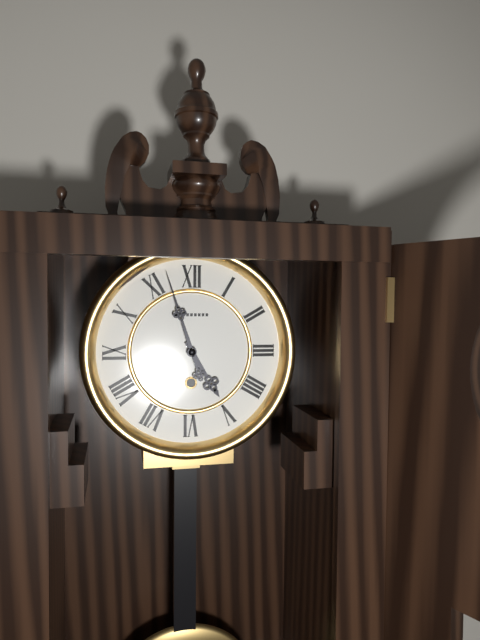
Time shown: **4:57**
